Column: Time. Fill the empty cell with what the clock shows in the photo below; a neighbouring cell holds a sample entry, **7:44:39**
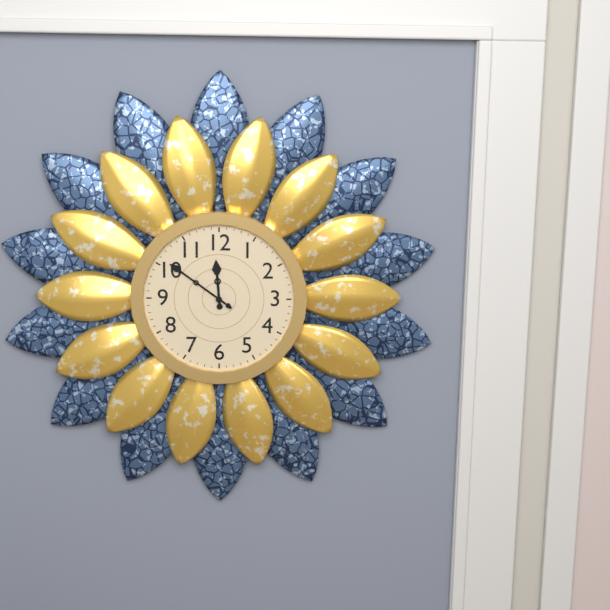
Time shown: **11:51:51**
